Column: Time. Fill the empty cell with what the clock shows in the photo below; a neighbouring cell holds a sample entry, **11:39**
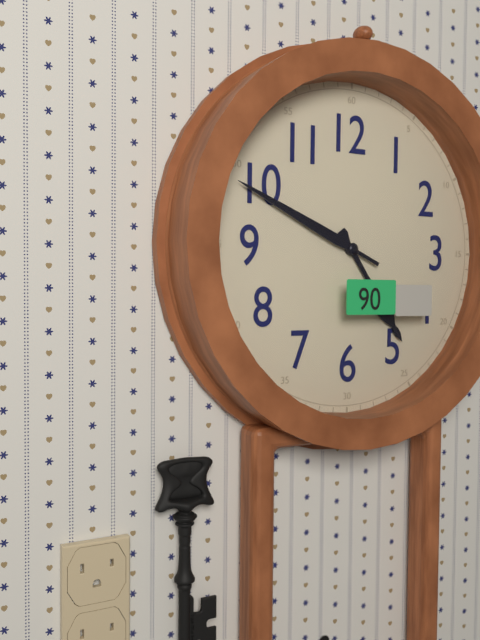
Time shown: **4:49**
